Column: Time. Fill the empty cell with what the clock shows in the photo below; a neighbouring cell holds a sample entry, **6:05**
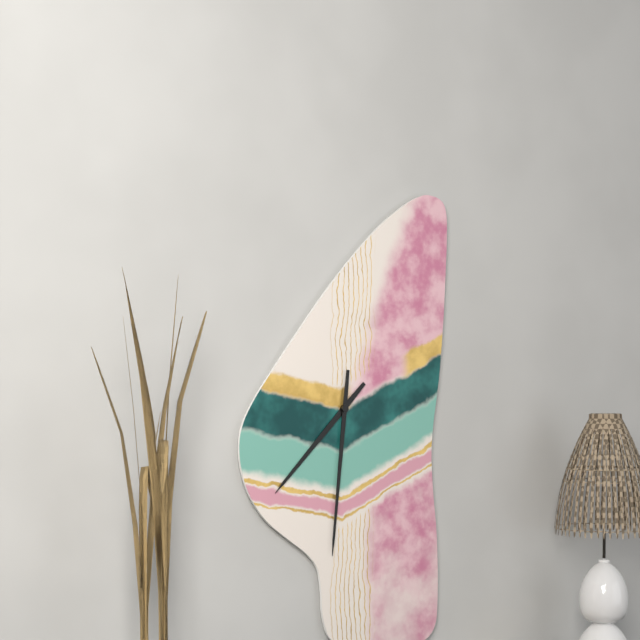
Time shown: **7:31**
